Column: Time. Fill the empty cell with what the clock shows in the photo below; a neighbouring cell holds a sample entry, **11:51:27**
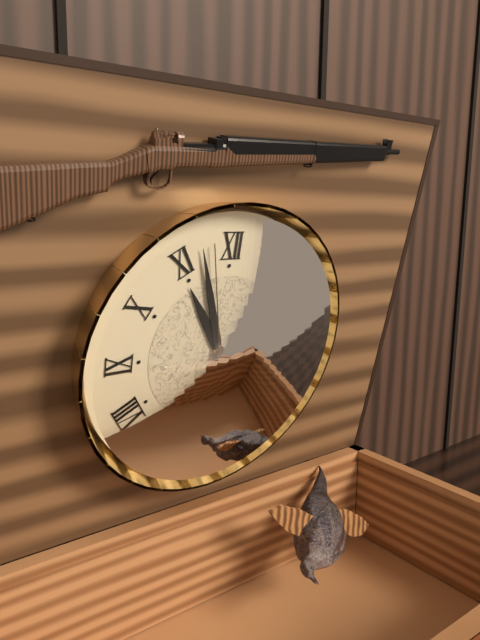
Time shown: **10:57:58**
